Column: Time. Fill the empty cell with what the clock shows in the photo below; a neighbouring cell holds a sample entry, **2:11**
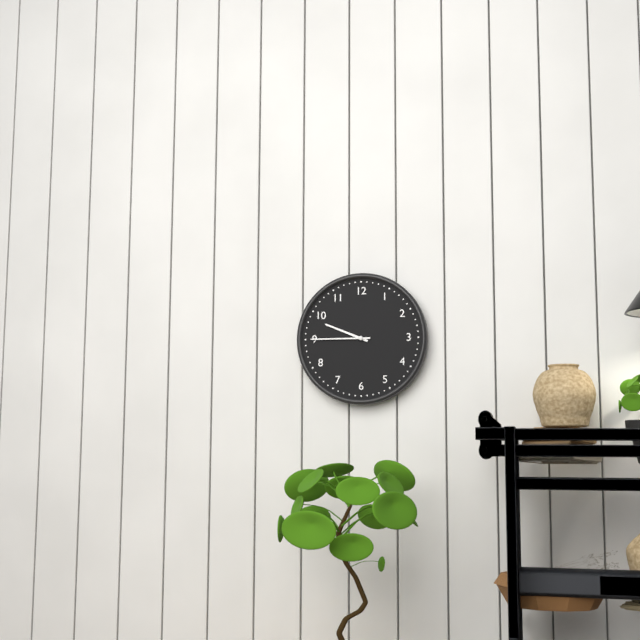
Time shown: **9:45**
